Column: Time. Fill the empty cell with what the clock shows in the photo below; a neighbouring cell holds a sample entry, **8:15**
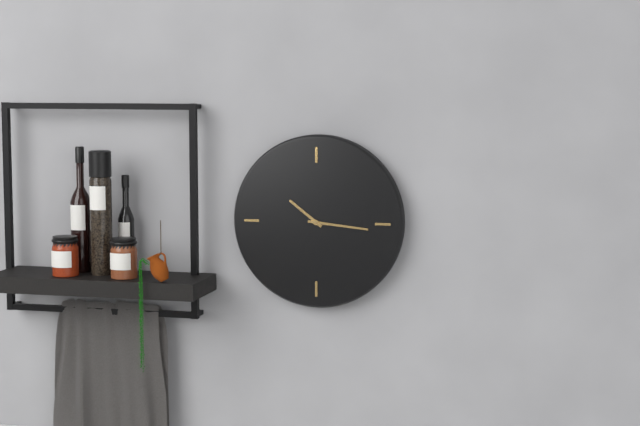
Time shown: **10:16**
